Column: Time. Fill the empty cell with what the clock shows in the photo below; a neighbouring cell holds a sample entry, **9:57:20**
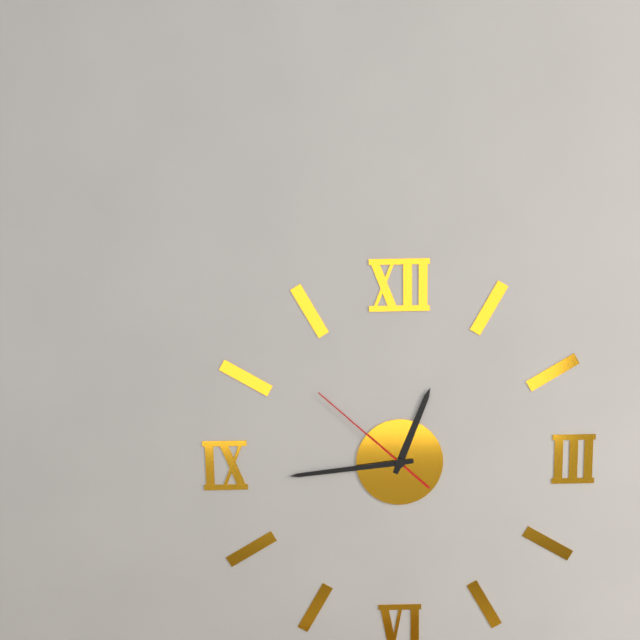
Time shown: **12:44:52**
